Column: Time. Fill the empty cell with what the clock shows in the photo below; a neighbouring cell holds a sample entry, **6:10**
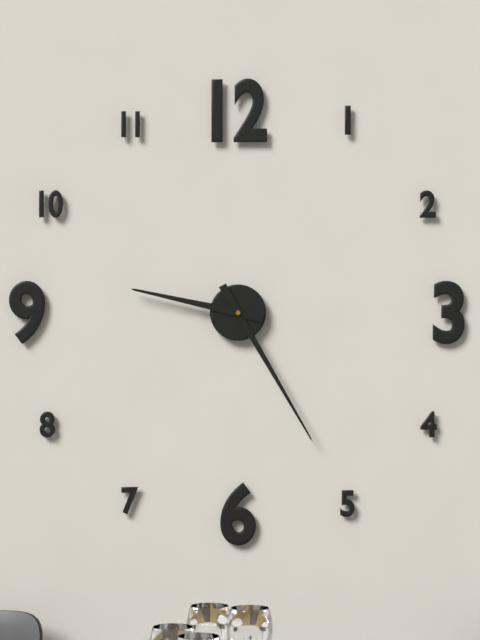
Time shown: **9:25**
